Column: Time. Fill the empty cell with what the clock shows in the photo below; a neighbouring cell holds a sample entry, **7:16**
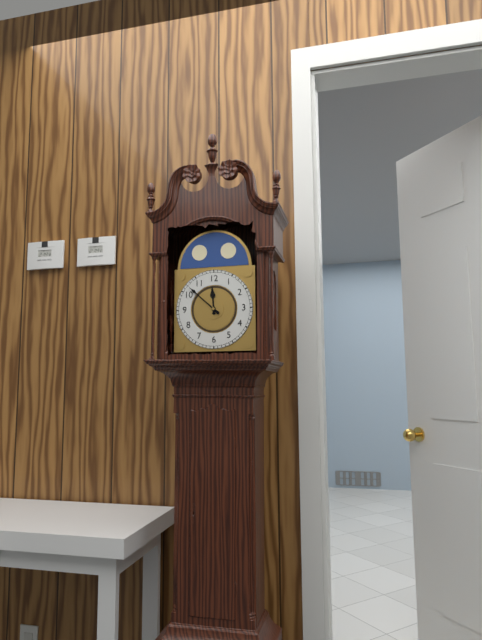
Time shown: **11:52**
